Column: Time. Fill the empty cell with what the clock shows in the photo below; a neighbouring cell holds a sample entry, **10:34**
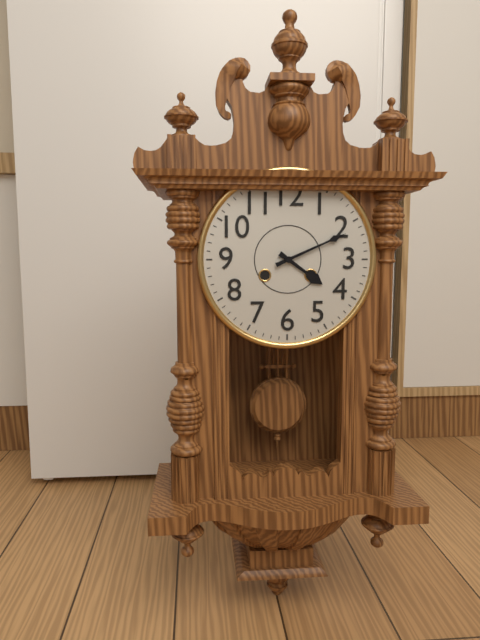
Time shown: **4:11**
